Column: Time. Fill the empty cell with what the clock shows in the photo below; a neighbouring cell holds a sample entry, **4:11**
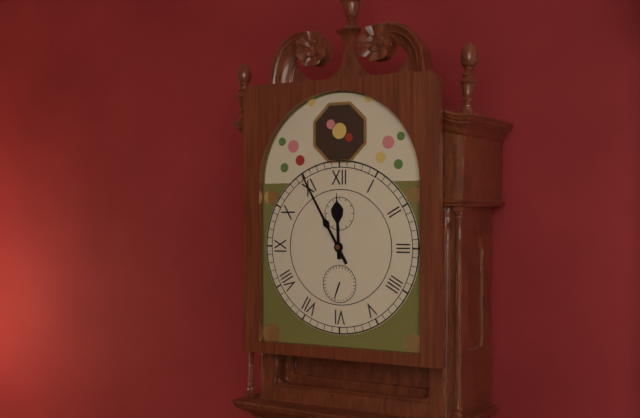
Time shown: **11:55**
